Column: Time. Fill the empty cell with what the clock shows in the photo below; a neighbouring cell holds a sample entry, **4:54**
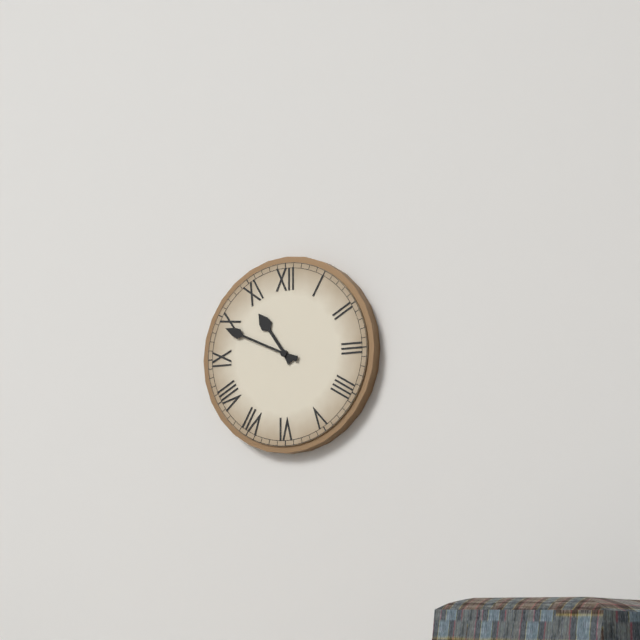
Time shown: **10:49**
